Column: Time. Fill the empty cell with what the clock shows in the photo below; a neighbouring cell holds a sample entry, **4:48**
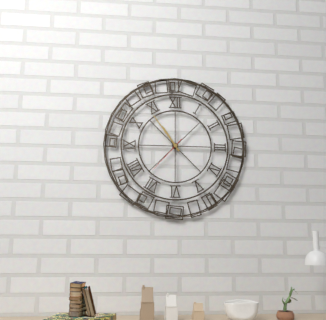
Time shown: **10:54**
